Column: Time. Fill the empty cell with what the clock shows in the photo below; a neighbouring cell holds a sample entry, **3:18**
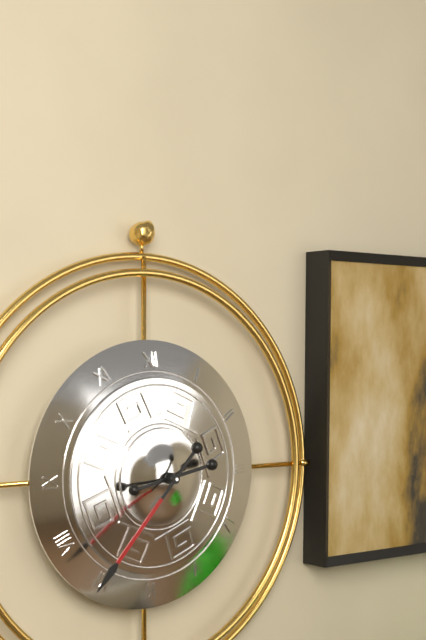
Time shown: **2:37**
